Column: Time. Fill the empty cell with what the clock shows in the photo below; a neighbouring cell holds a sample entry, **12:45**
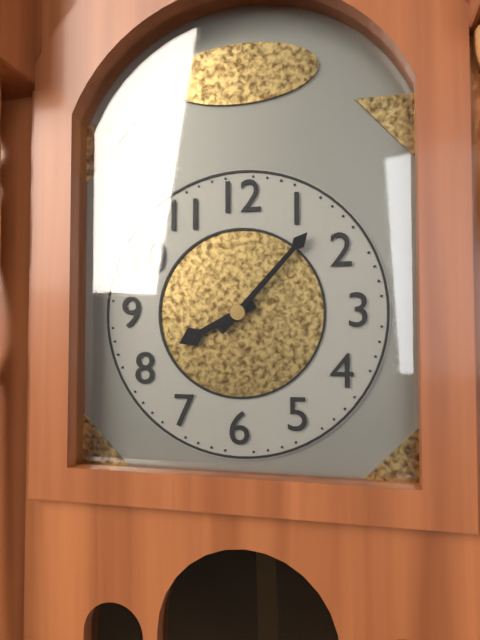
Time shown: **8:07**
